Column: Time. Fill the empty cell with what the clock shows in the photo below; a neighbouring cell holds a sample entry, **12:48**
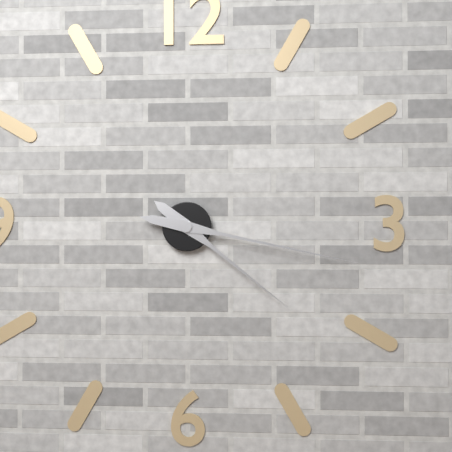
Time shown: **4:17**
